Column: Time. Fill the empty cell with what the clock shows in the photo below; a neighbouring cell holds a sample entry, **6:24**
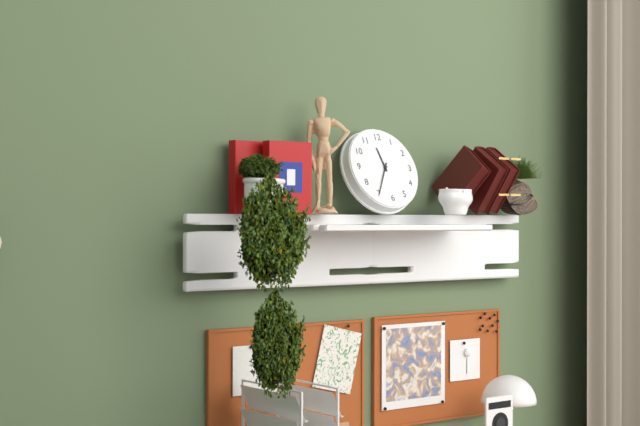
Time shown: **11:35**
